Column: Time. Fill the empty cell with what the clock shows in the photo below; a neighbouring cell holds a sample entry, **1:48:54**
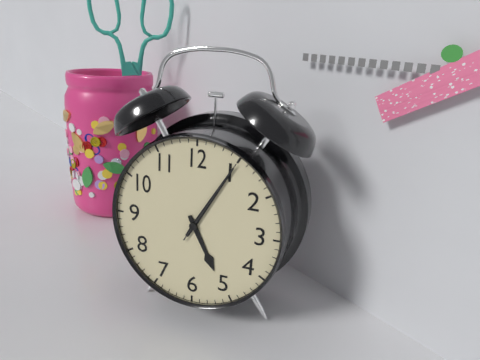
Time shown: **5:05:05**
